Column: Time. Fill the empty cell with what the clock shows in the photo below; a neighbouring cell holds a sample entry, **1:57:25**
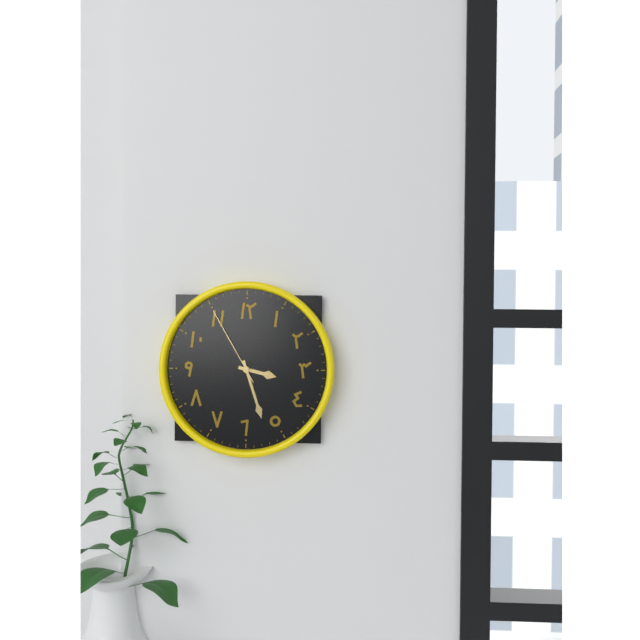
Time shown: **3:27:55**
